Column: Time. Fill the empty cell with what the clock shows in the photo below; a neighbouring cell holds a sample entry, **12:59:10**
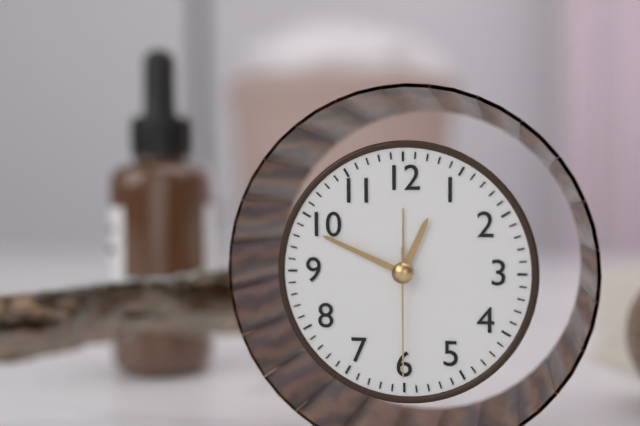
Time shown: **12:49:30**
